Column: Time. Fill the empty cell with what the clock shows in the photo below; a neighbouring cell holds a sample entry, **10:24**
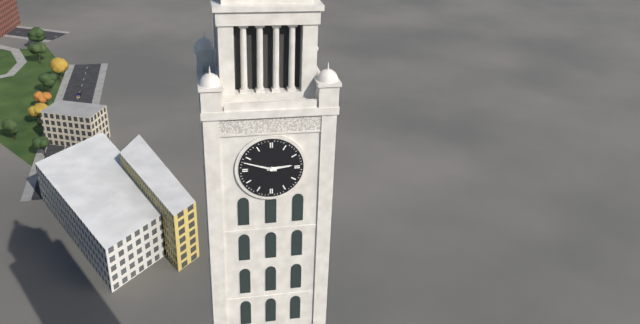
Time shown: **2:48**
